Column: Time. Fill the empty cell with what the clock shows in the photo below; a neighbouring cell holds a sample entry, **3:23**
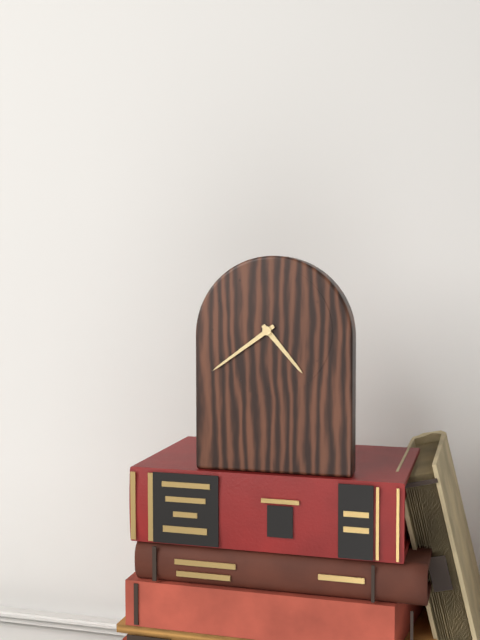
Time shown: **4:39**
